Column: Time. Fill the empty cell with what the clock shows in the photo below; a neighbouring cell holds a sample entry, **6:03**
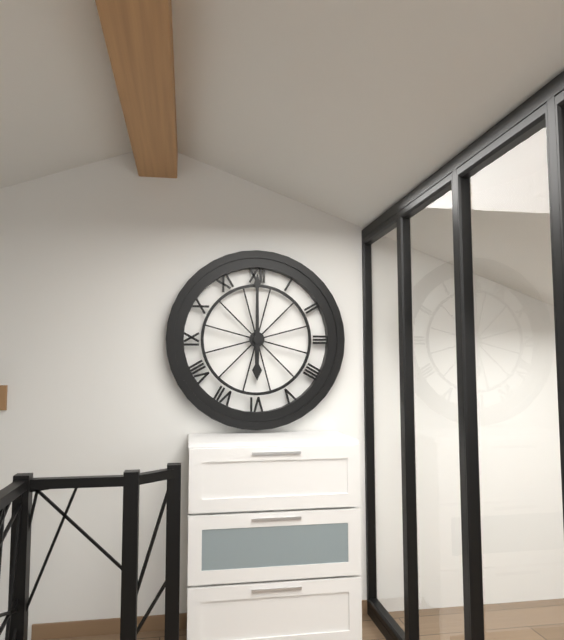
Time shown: **6:00**
